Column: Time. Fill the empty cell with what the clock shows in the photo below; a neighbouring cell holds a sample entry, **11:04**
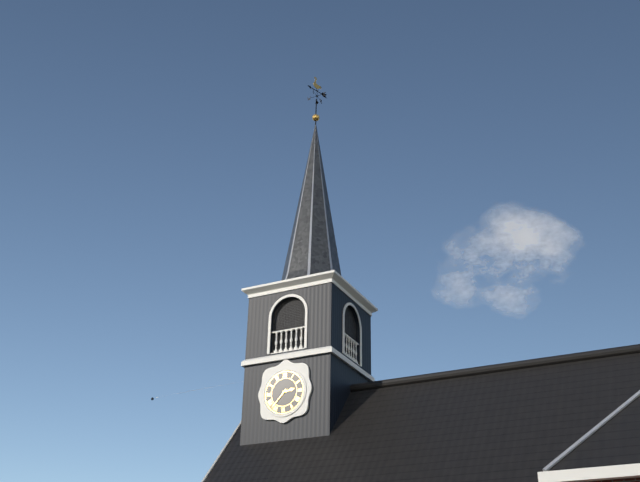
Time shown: **2:37**
